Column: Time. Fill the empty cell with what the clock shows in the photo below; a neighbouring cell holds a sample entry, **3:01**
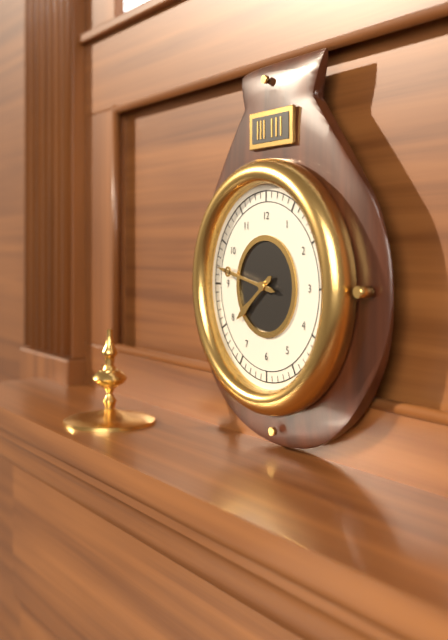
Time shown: **7:47**
